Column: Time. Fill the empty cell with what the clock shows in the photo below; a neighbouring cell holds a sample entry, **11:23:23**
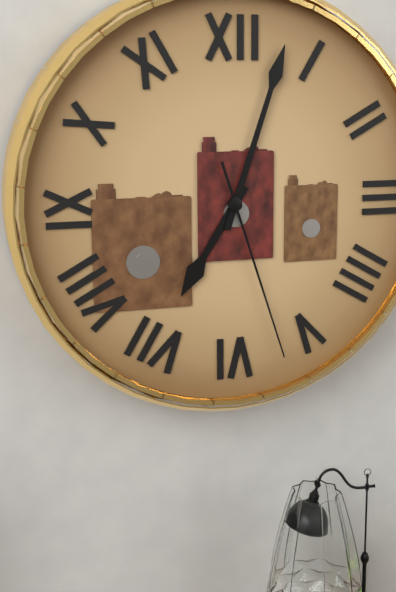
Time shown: **7:03:27**
